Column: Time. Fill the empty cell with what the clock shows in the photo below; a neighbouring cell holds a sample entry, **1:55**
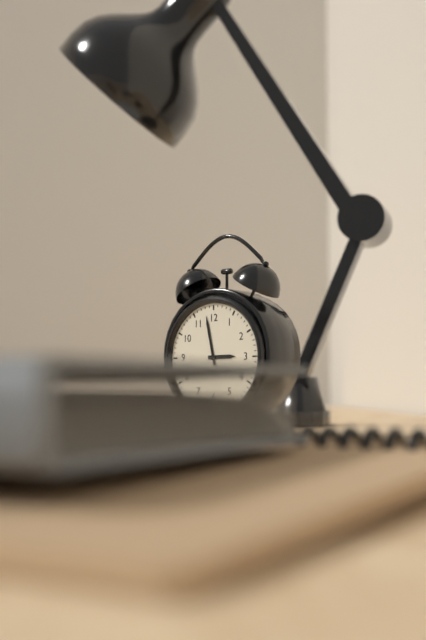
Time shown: **2:58**
